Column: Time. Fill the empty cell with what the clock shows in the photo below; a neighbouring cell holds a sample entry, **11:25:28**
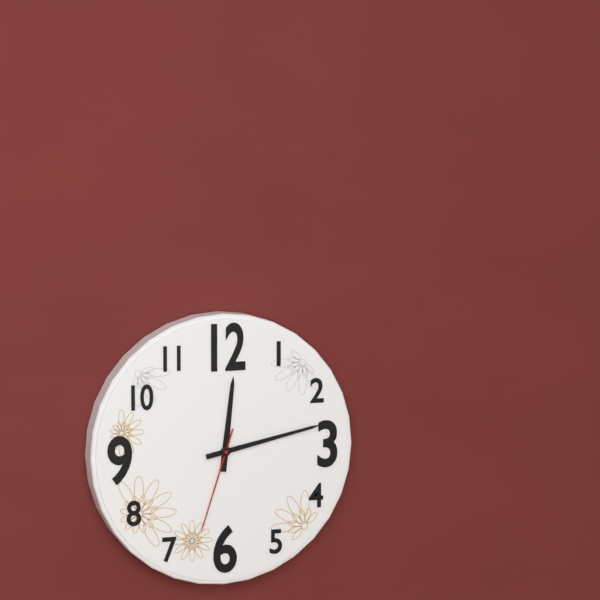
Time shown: **12:13:33**
